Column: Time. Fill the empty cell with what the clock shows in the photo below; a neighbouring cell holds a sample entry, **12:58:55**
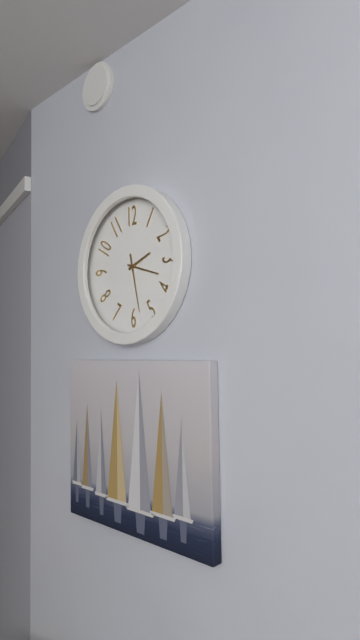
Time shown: **2:18:28**
